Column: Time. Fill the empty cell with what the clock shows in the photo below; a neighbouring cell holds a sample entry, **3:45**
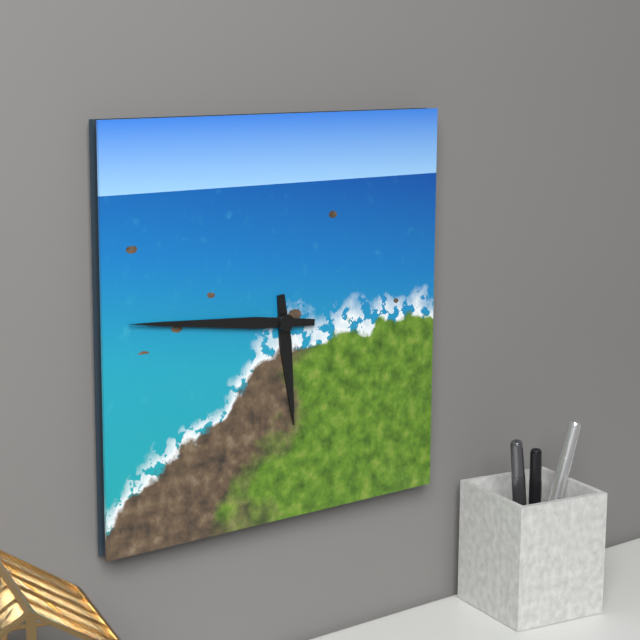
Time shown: **5:46**
